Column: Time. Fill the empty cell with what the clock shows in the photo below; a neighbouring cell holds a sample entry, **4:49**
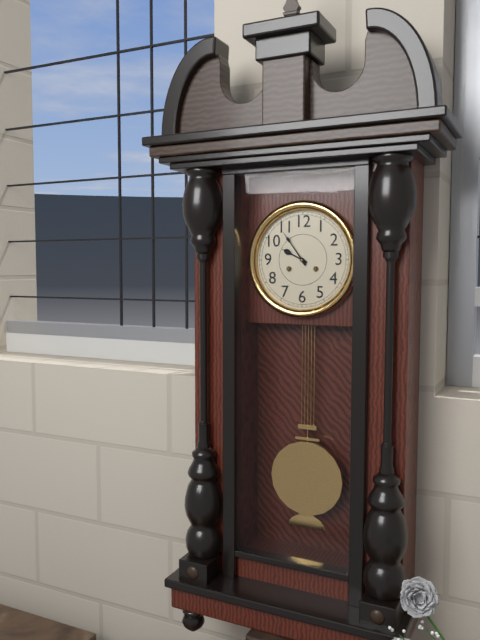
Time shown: **9:54**
